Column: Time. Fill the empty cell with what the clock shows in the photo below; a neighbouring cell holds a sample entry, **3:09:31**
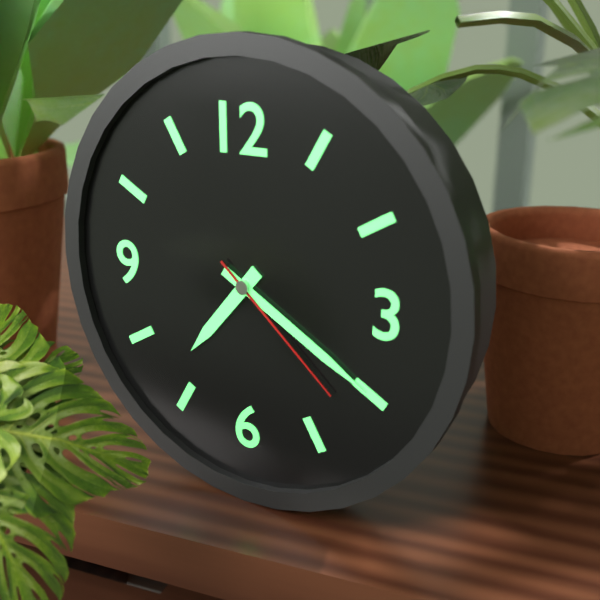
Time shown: **7:20:22**
